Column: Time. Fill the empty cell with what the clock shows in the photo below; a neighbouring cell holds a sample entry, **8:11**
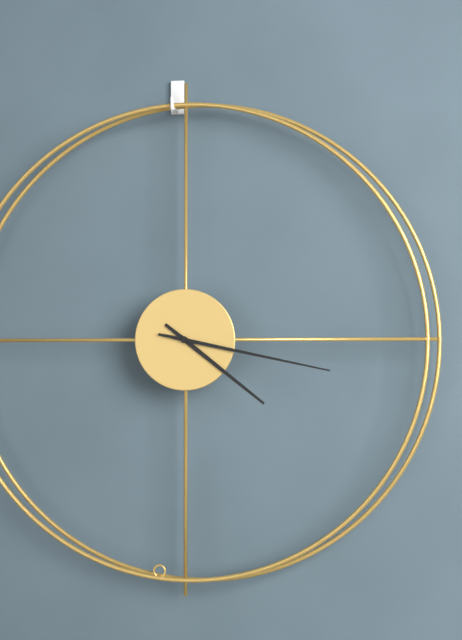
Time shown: **4:17**
